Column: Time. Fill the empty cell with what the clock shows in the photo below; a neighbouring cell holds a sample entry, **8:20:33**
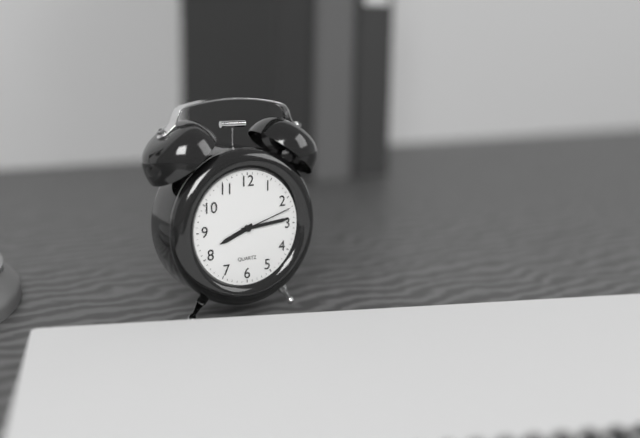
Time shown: **8:14:12**
